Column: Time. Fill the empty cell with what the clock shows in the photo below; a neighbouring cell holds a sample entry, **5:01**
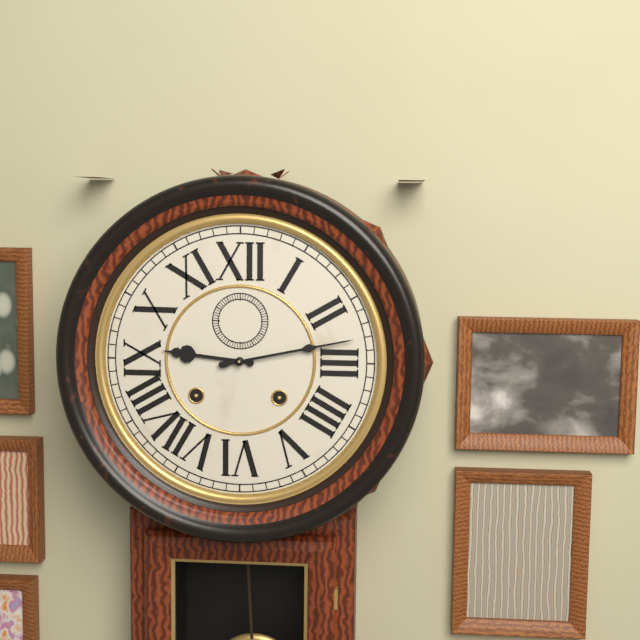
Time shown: **9:13**
